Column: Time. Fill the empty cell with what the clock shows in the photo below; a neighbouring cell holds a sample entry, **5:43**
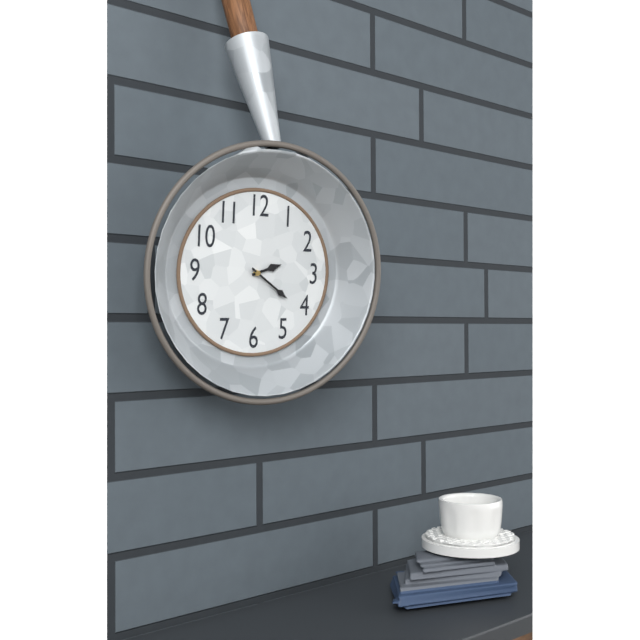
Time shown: **2:21**
